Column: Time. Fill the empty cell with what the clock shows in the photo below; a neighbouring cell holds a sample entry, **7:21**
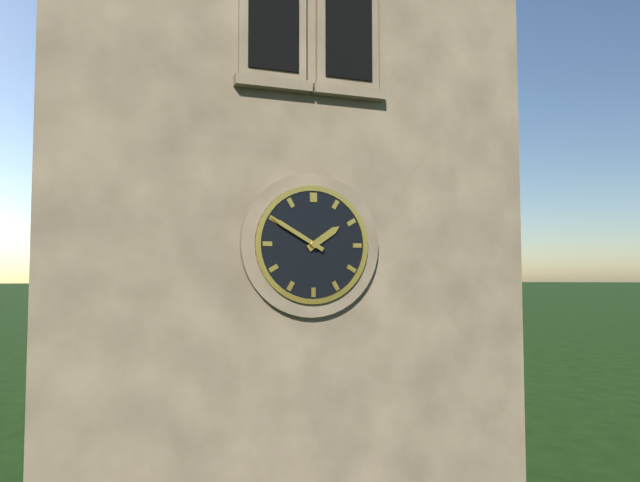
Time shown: **1:50**
